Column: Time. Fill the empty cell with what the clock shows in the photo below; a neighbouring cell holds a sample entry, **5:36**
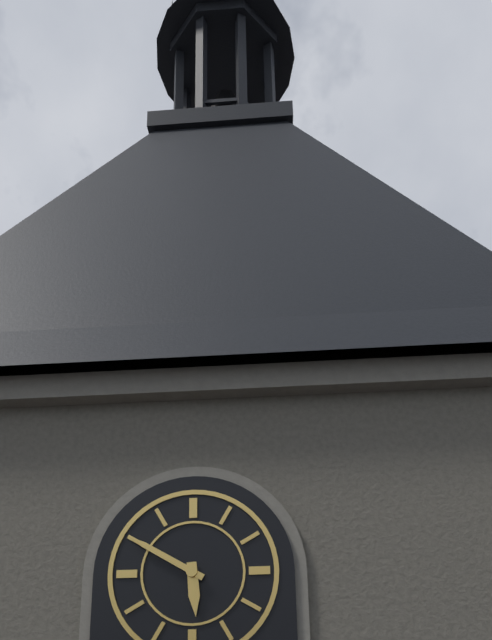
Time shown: **5:50**
